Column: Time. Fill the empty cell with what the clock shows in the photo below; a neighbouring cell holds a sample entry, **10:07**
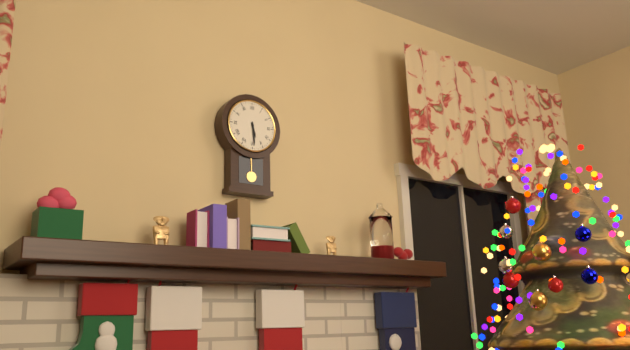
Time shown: **5:29**
